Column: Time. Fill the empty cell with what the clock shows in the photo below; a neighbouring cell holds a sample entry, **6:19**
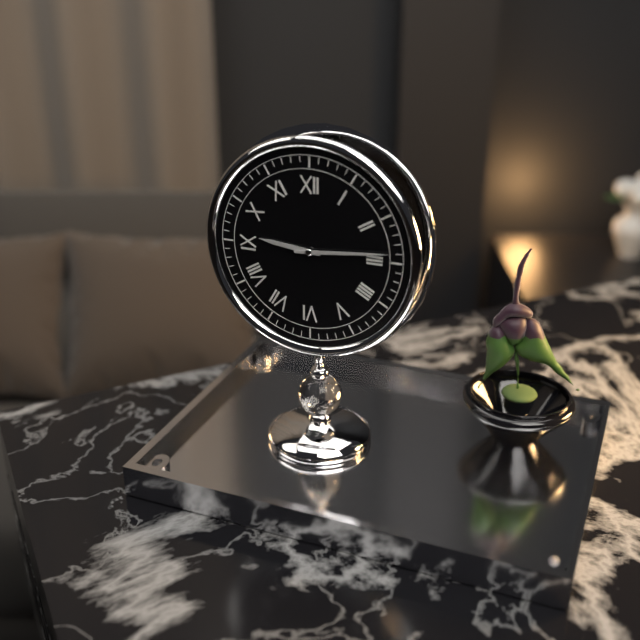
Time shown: **9:14**
